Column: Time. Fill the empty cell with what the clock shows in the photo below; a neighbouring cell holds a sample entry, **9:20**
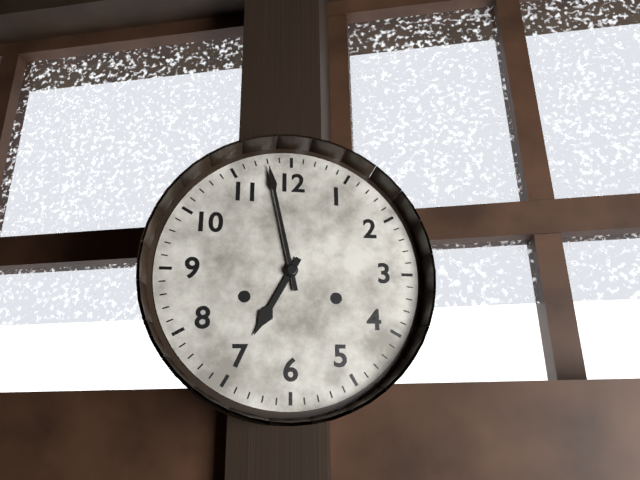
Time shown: **6:58**
